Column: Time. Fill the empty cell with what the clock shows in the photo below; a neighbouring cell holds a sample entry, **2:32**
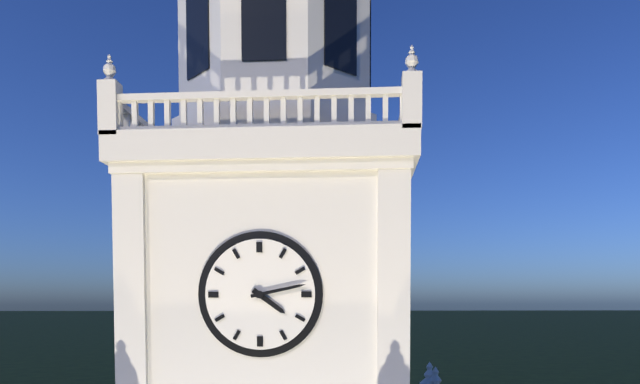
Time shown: **4:13**
